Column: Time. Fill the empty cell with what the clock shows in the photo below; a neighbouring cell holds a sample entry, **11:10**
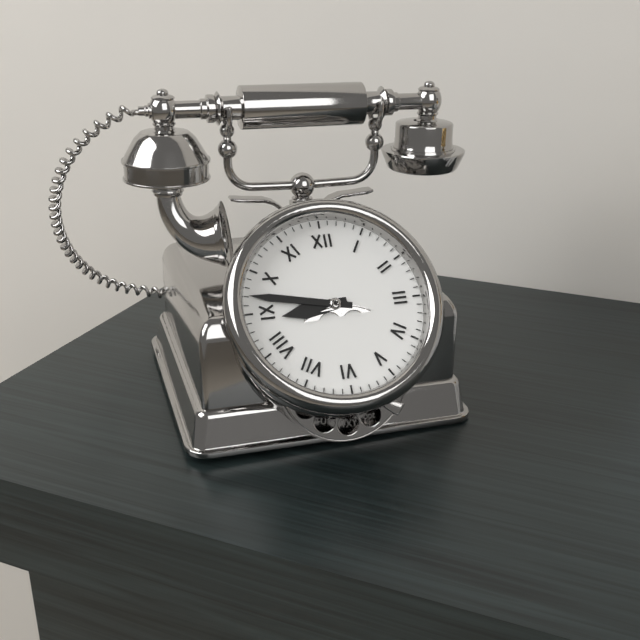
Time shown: **8:47**
